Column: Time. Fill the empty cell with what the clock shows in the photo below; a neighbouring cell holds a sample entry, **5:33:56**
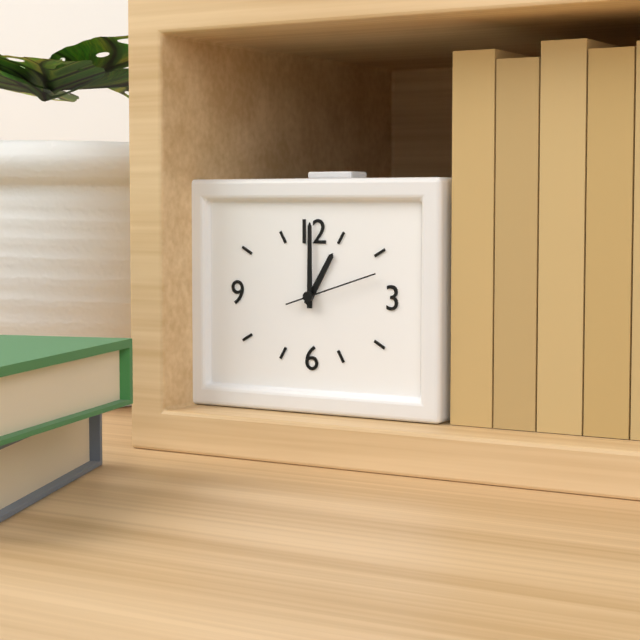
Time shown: **1:00:12**
